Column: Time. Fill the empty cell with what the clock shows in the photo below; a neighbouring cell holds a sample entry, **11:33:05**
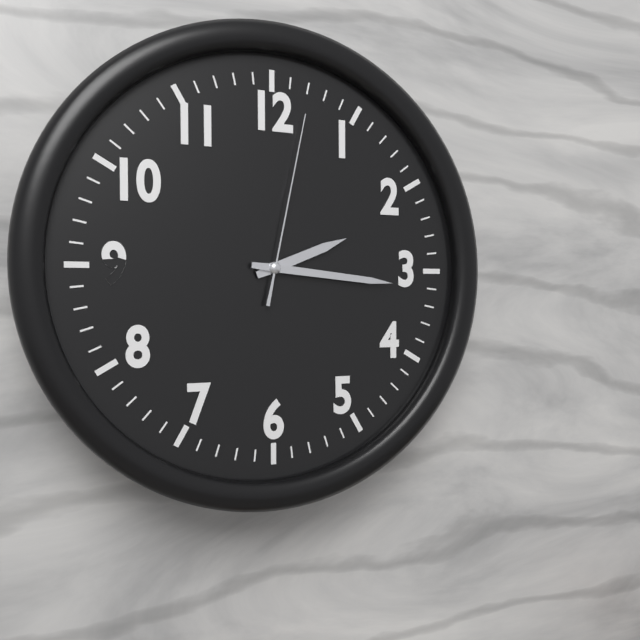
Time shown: **2:16:02**
